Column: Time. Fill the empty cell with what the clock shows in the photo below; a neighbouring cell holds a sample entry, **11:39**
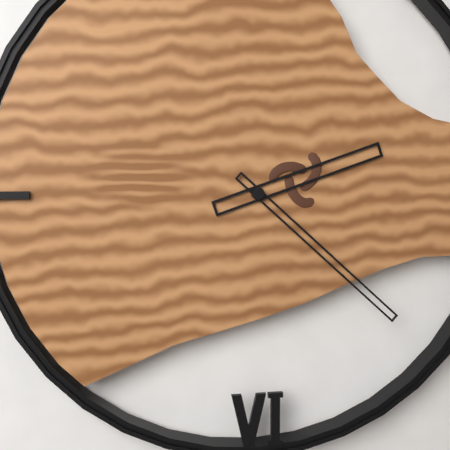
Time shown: **2:22**
